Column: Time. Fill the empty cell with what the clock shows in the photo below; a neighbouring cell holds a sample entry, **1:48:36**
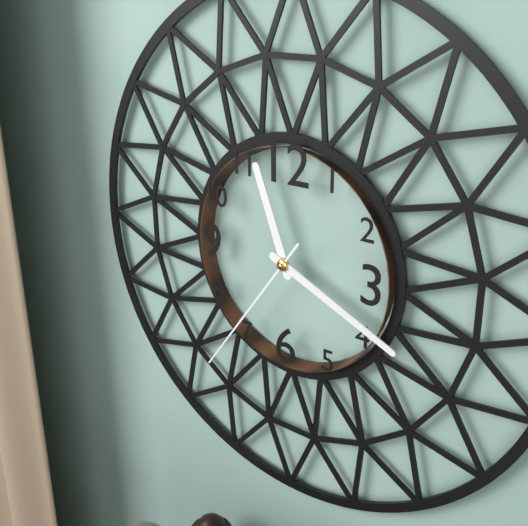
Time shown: **11:19:36**
